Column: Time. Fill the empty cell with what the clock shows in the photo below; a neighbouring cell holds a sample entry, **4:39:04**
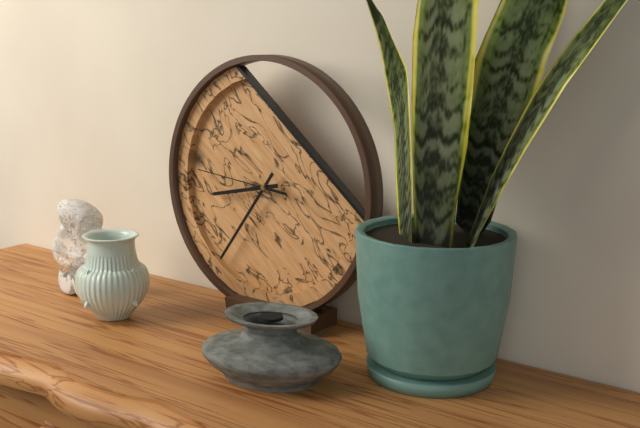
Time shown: **8:36:46**
